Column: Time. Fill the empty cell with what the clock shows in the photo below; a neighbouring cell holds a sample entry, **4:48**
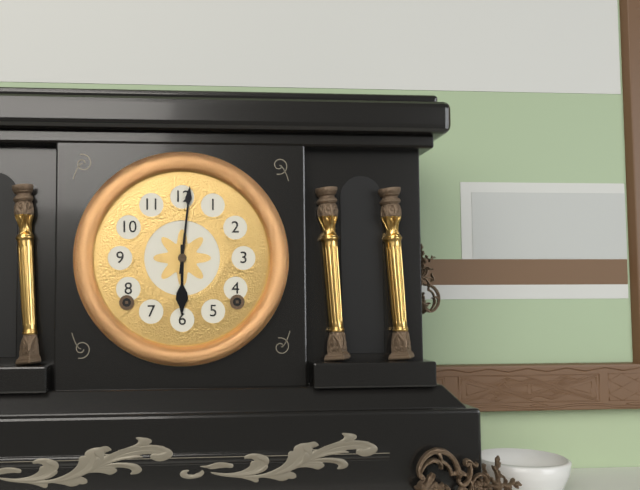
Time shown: **6:01**
